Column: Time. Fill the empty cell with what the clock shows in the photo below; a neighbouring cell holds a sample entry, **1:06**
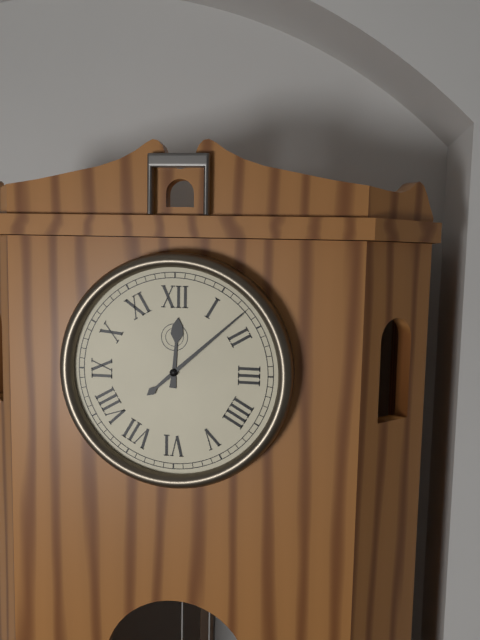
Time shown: **12:08**
